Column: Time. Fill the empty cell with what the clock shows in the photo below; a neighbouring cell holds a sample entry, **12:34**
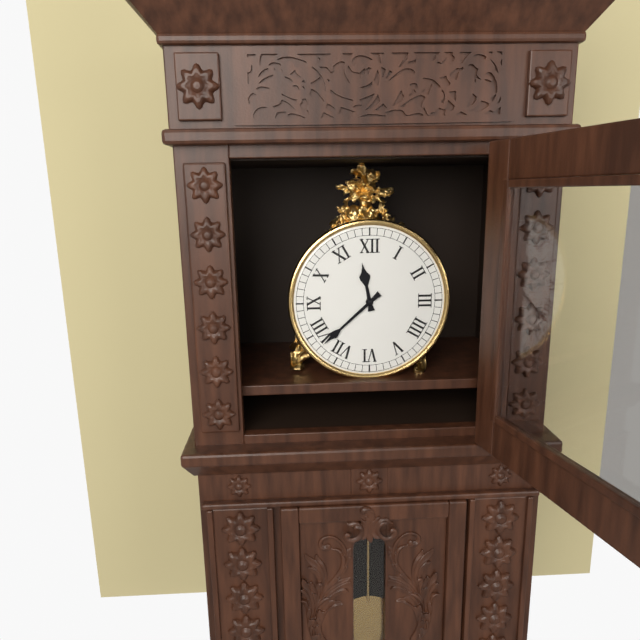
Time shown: **11:38**
